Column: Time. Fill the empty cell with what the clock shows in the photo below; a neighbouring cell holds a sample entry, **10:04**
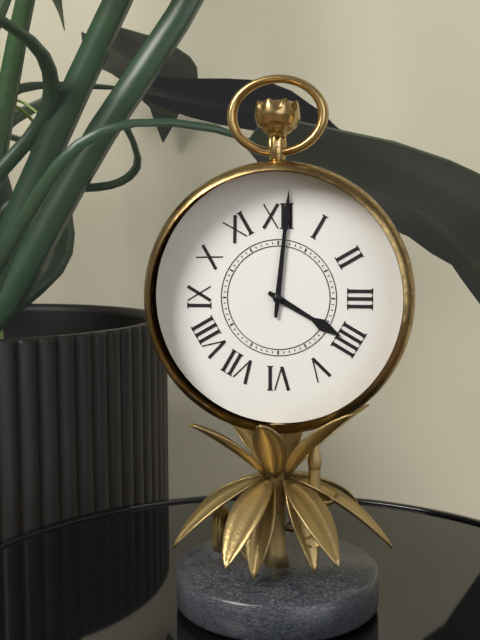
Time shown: **4:01**
